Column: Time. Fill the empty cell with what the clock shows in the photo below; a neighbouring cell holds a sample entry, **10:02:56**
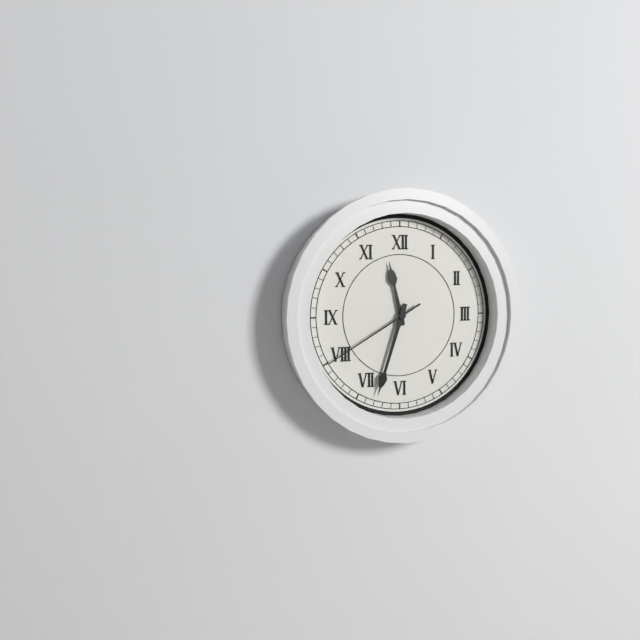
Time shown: **11:33:40**
